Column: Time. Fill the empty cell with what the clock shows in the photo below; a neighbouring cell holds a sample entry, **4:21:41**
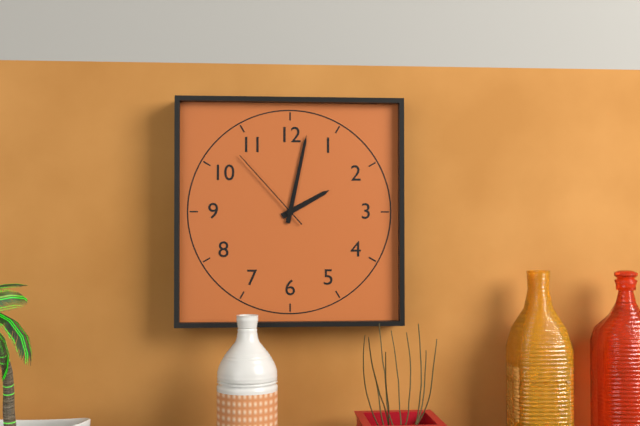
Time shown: **2:02:53**
